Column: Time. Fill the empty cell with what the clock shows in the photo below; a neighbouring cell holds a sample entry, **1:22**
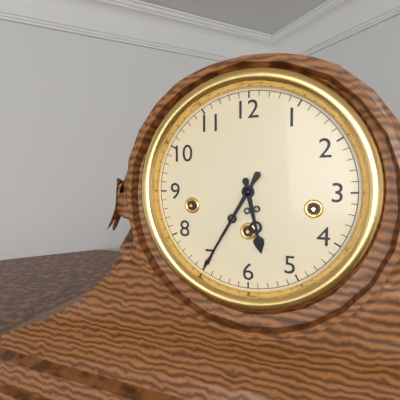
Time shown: **5:35**
